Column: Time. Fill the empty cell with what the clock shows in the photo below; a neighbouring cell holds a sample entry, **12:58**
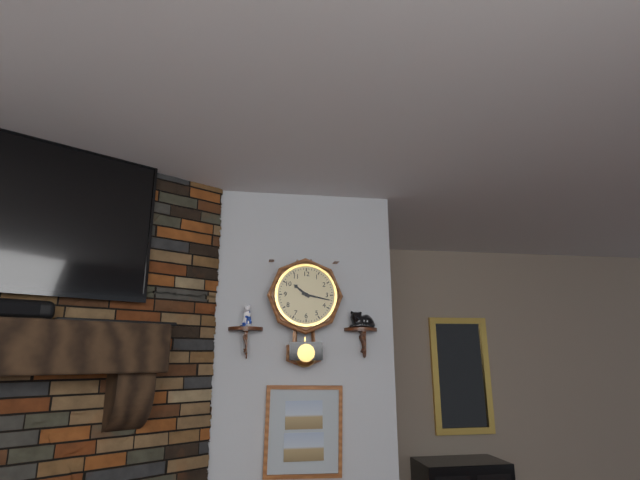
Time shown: **10:17**
